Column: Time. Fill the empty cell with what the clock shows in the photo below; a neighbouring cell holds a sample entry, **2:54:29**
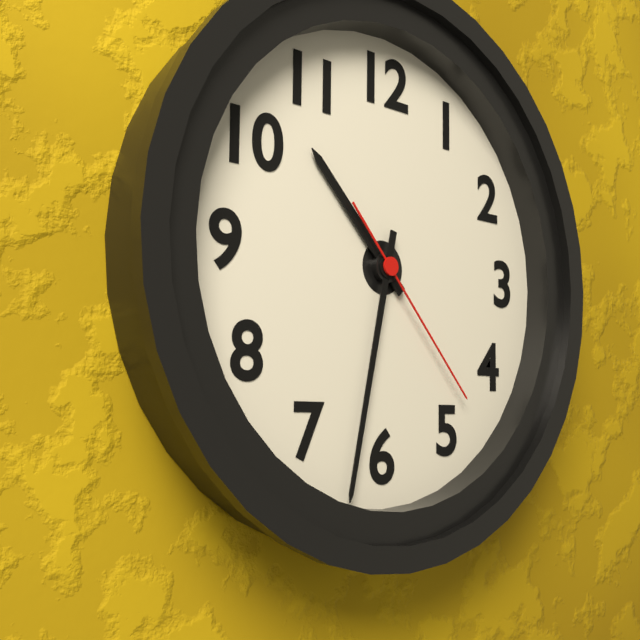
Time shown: **10:32:23**
